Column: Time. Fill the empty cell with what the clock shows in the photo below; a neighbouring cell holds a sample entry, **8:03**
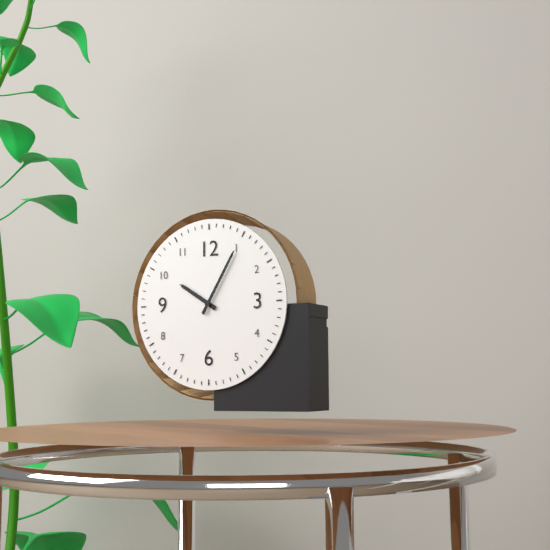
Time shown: **10:05**
